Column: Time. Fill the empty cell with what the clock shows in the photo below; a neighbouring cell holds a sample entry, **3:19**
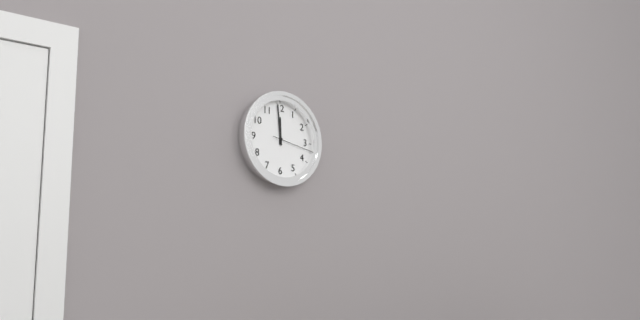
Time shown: **11:59**
